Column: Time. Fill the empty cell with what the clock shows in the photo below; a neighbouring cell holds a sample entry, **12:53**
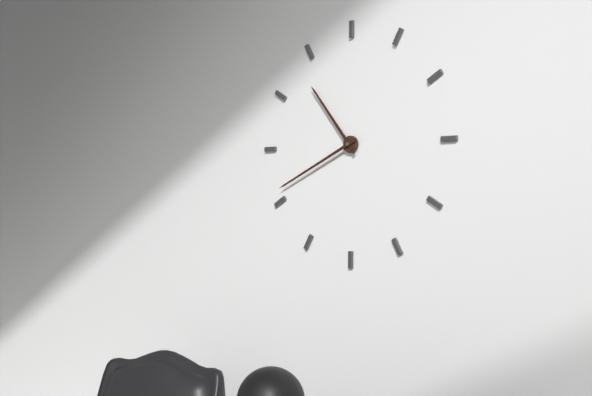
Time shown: **10:41**
